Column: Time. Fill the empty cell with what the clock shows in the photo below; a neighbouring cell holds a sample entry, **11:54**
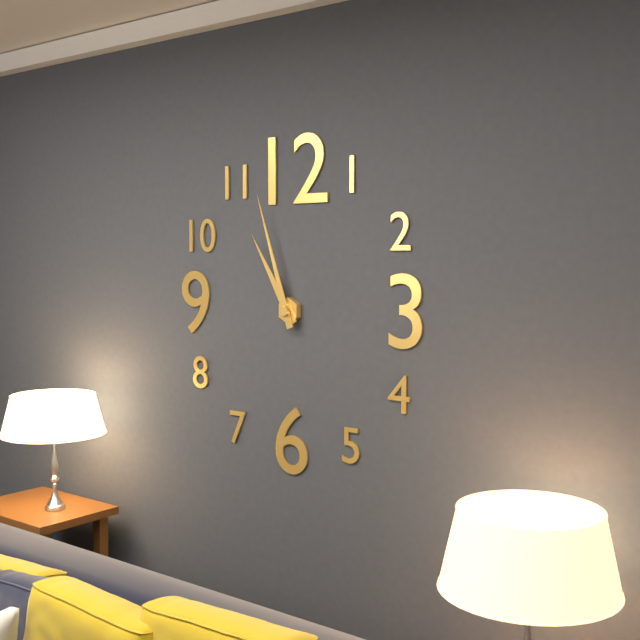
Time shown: **10:57**
